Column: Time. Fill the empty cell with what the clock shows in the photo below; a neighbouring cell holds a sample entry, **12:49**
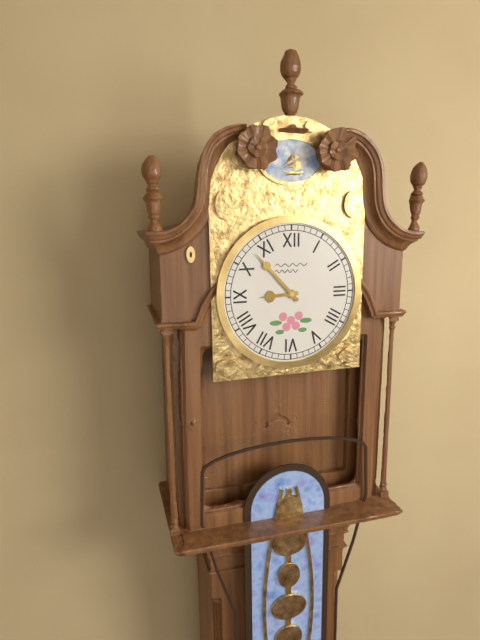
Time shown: **8:53**
